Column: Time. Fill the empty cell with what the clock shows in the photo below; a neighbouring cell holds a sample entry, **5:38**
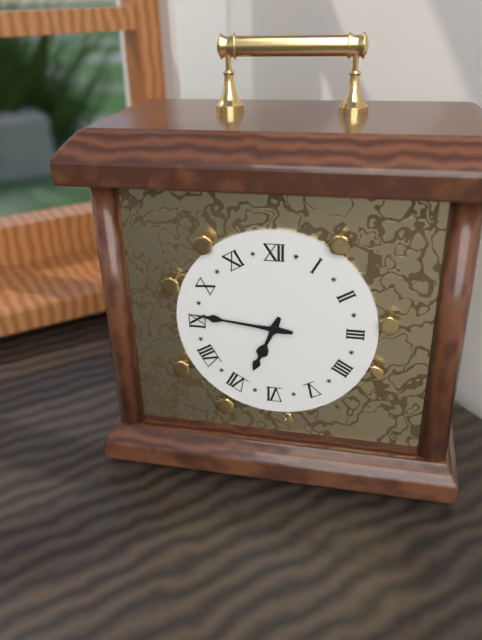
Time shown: **6:46**
